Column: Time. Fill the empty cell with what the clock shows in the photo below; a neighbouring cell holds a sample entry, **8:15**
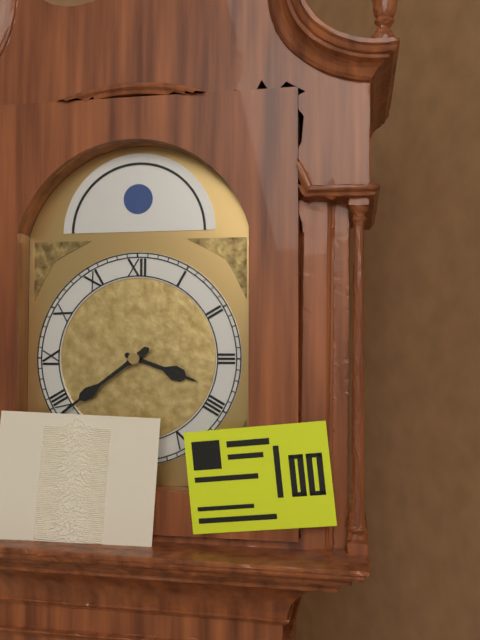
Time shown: **3:39**
